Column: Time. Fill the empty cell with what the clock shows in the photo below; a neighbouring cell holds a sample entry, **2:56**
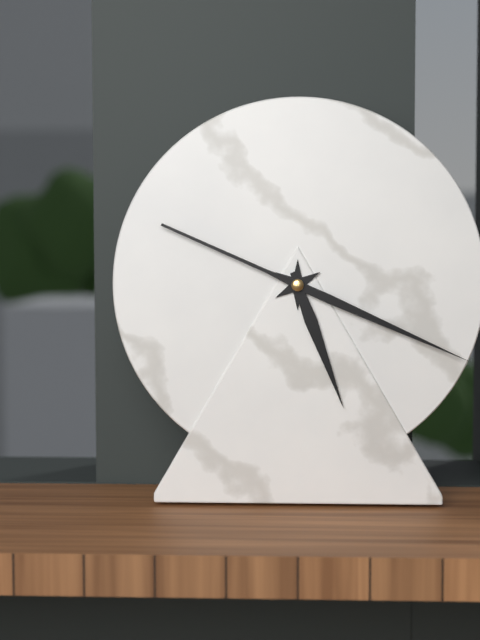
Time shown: **5:19**
